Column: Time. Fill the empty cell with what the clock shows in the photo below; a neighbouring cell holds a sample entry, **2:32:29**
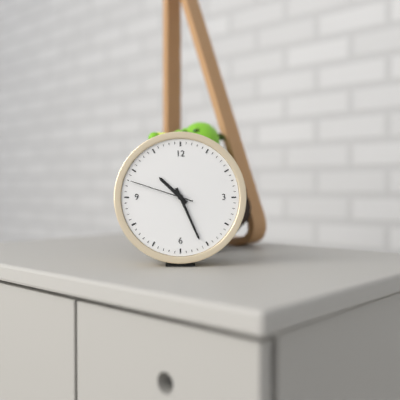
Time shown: **10:26:48**
